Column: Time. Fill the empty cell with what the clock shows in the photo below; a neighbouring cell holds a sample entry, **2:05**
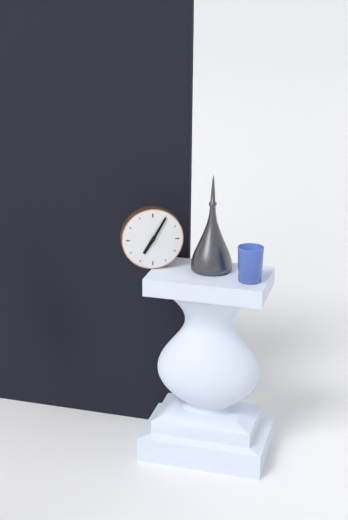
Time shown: **7:05**
